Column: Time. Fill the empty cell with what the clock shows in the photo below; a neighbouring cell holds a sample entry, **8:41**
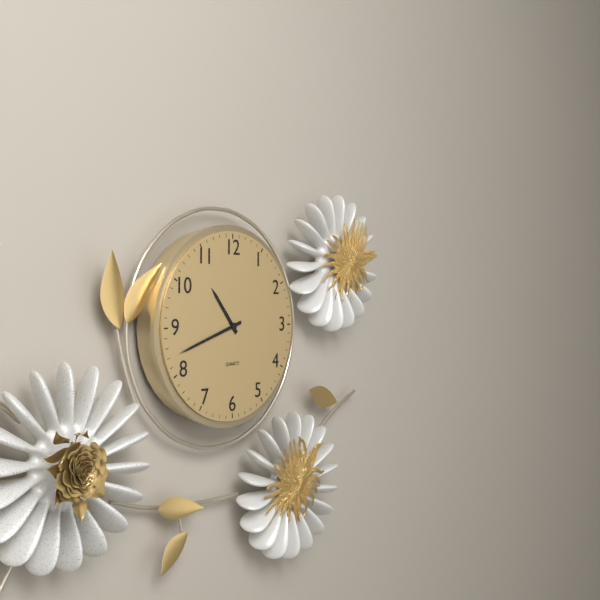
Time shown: **10:42**
